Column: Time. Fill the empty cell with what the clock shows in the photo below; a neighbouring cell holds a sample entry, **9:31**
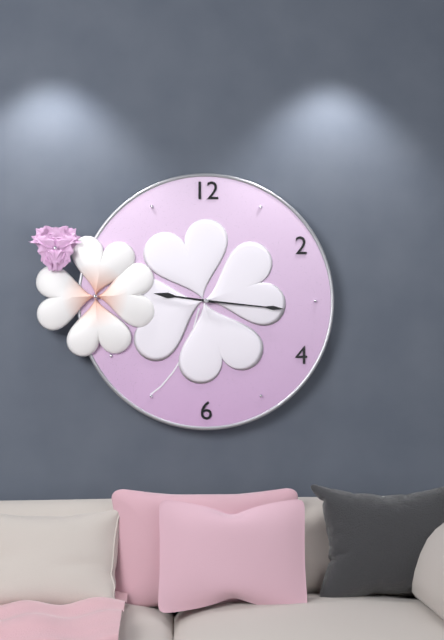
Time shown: **9:16**
